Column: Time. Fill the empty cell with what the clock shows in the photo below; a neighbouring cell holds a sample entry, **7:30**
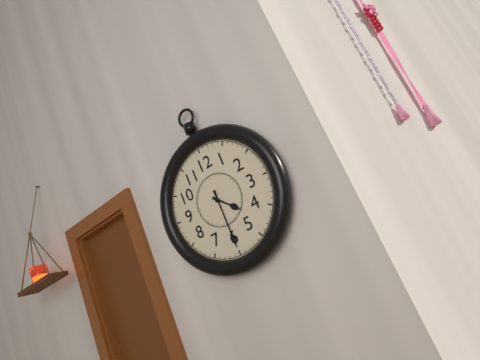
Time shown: **4:30**
